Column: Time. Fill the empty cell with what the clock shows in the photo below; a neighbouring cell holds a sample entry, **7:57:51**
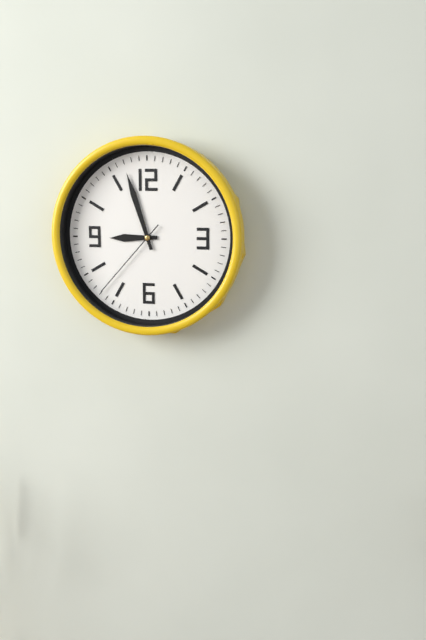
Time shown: **8:57:37**
